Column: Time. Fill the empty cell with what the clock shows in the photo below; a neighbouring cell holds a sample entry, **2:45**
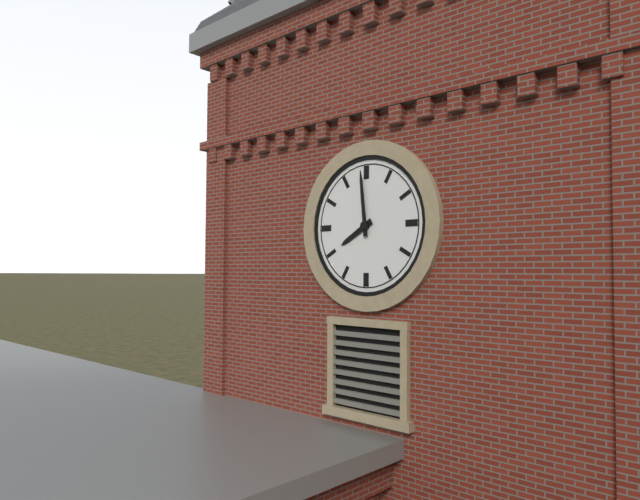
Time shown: **7:59**
